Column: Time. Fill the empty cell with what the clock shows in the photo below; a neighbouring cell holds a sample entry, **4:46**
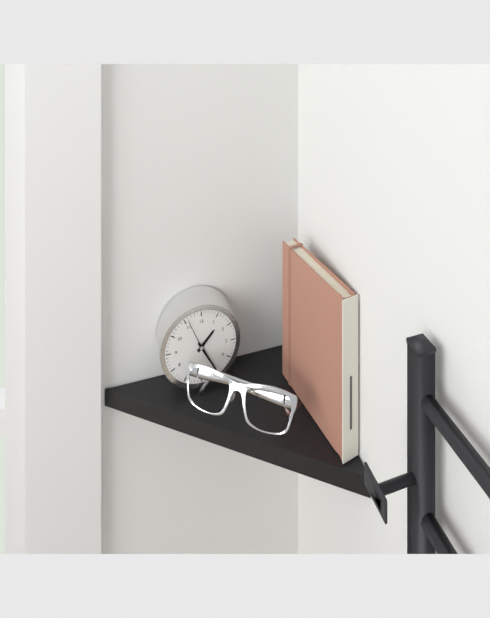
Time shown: **1:25**
